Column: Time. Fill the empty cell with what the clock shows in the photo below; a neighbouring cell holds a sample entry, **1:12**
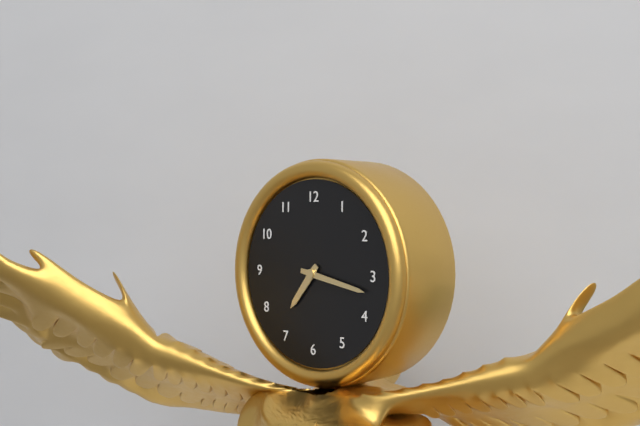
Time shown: **7:17**
